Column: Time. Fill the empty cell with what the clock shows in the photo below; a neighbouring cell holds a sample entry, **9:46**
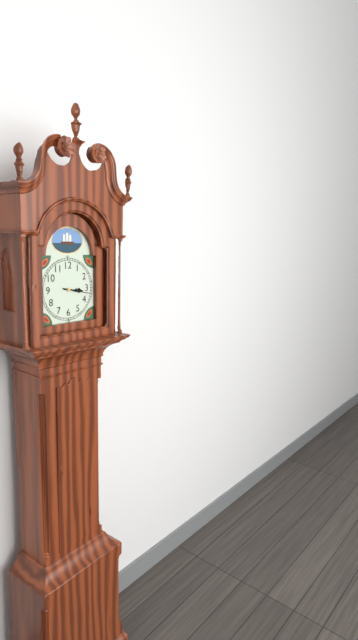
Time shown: **3:17**
